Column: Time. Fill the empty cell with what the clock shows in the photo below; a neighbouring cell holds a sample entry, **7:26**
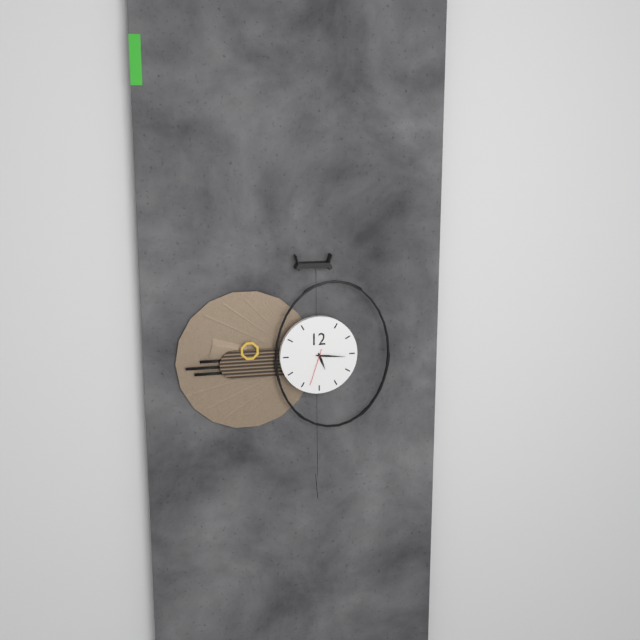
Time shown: **5:16**
